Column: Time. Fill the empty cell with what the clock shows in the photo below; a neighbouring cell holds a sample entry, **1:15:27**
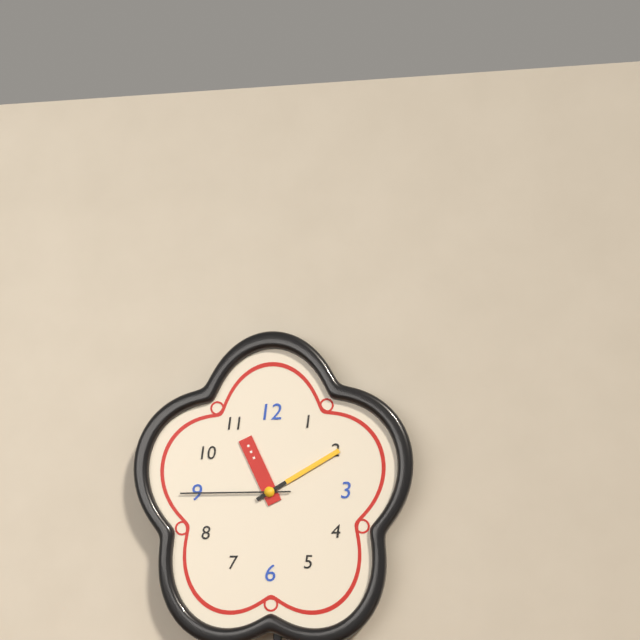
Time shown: **11:10:45**
